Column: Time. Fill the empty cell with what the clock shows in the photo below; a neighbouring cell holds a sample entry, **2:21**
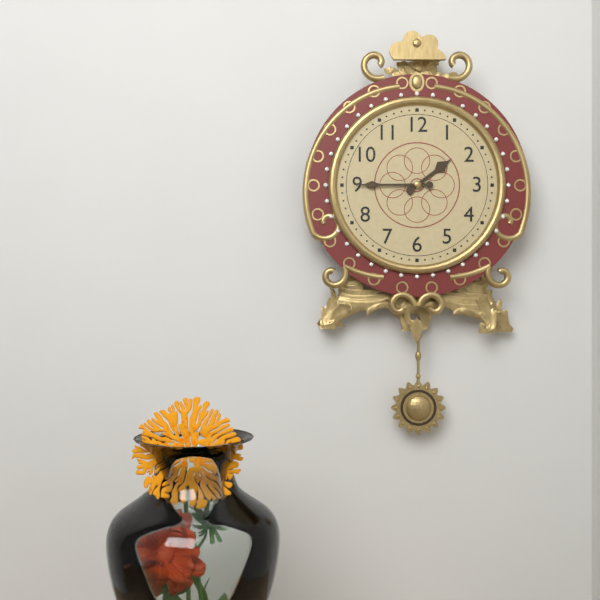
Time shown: **1:45**
